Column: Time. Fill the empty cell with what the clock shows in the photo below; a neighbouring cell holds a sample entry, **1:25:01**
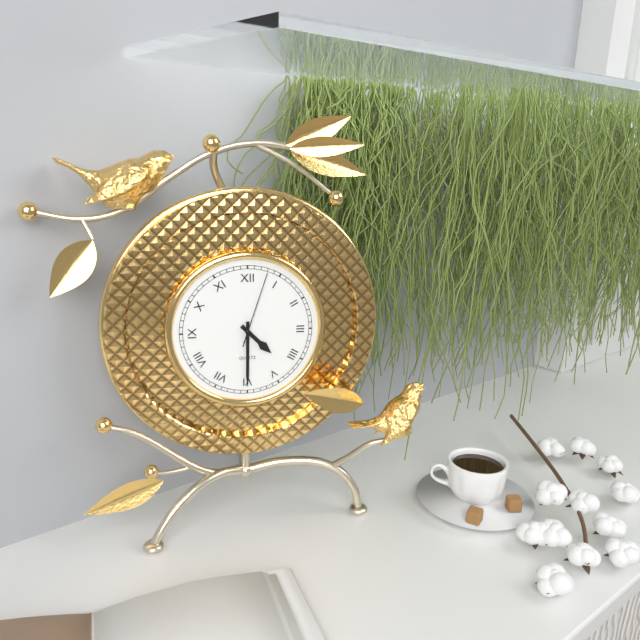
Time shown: **4:30:03**
